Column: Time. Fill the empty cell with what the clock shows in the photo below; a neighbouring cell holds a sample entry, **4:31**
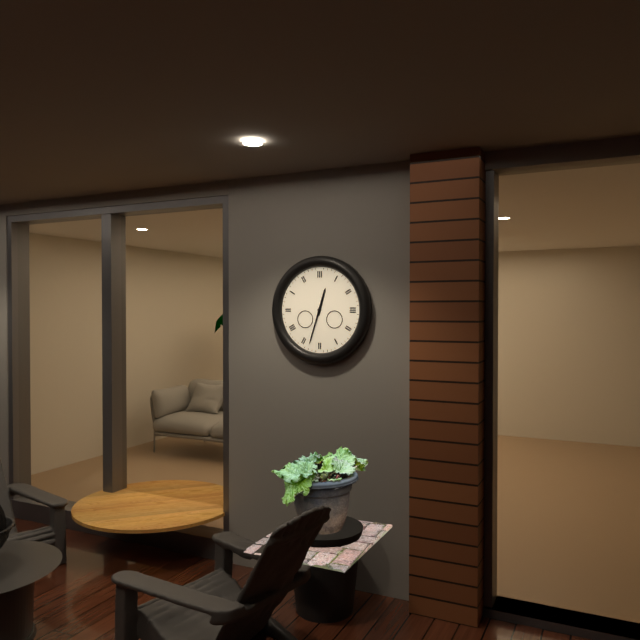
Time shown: **12:33**
